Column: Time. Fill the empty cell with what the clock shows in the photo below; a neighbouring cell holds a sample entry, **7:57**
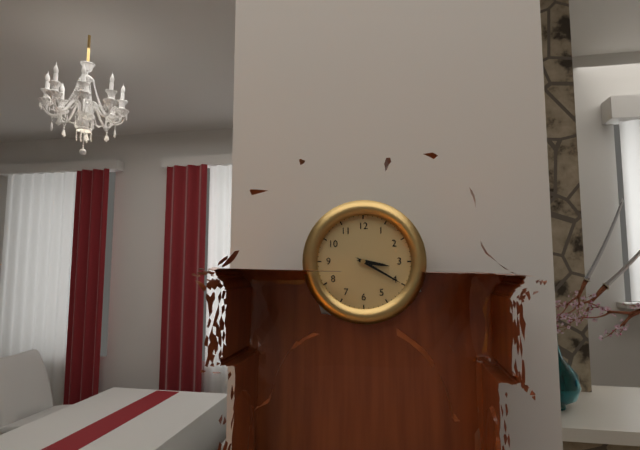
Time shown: **3:20**
